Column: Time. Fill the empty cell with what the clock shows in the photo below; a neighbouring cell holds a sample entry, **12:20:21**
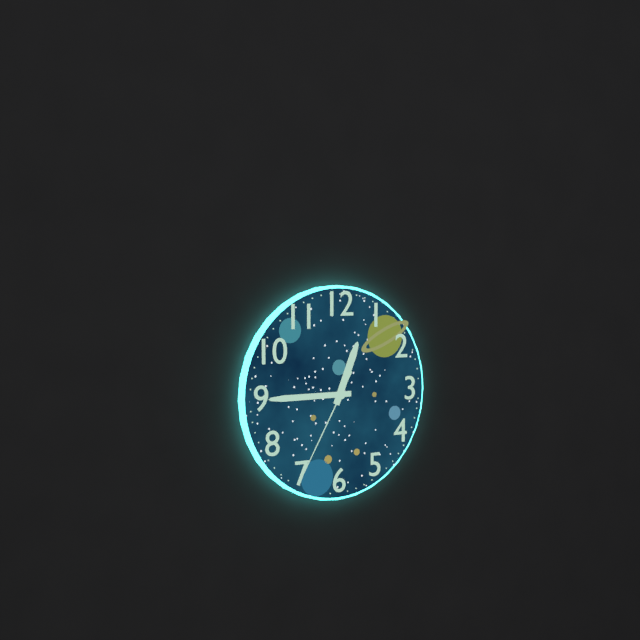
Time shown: **12:45:35**
